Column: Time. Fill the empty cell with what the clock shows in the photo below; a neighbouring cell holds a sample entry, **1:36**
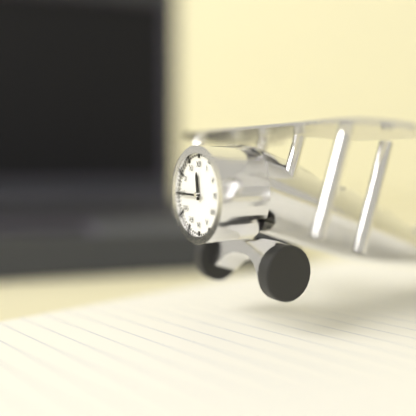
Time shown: **11:45**
